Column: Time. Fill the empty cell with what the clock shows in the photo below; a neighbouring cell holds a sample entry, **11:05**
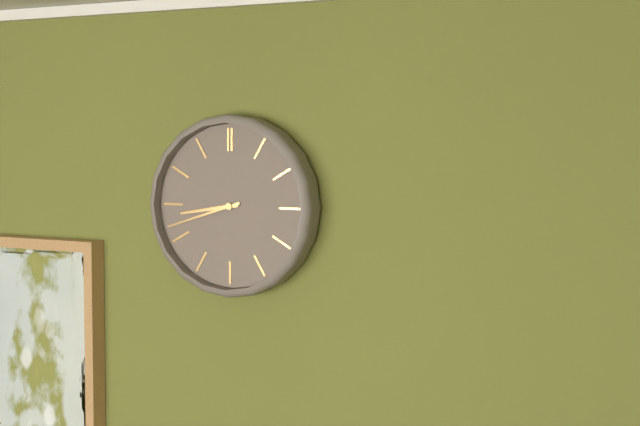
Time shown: **8:42**
